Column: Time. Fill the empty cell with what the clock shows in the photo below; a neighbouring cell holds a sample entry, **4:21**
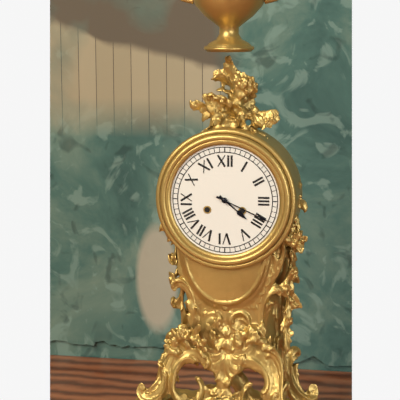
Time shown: **4:19**
